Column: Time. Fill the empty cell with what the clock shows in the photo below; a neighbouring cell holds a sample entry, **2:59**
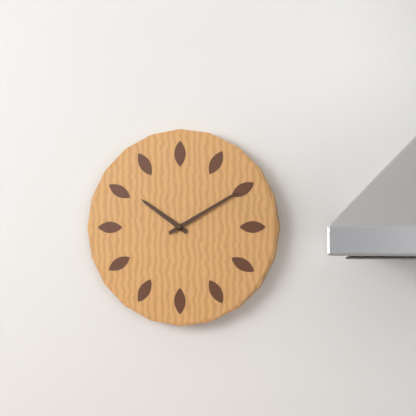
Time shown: **10:10**
